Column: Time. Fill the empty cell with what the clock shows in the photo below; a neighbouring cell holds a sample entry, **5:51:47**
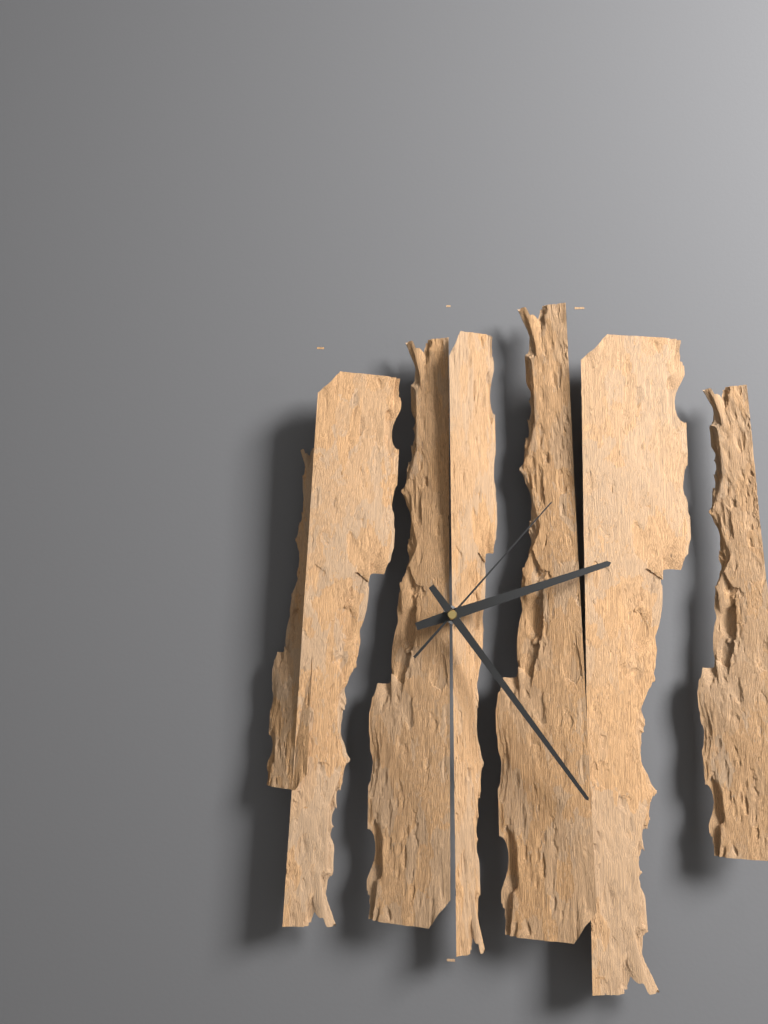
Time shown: **2:24:07**
